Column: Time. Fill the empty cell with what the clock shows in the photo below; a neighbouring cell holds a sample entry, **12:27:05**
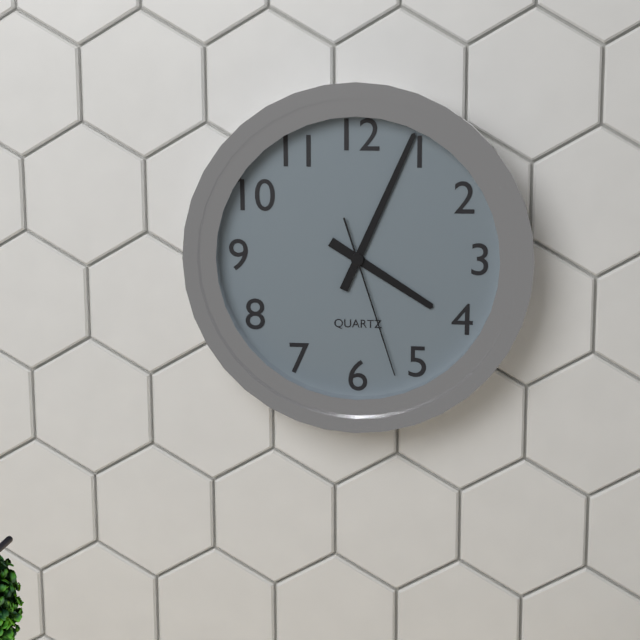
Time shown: **4:04:27**
